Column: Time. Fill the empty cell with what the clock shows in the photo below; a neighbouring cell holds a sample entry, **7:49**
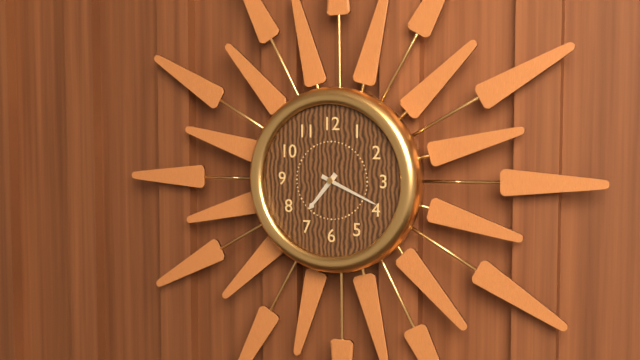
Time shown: **7:19**
